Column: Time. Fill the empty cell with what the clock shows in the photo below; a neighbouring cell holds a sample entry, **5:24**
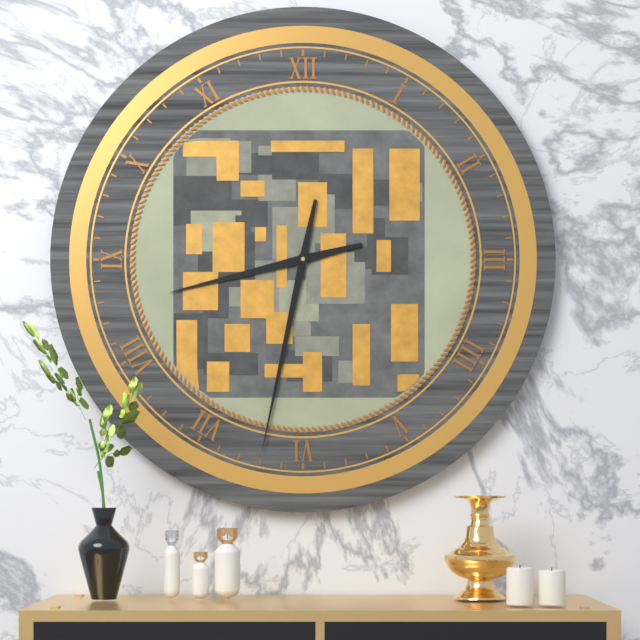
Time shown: **8:32**
